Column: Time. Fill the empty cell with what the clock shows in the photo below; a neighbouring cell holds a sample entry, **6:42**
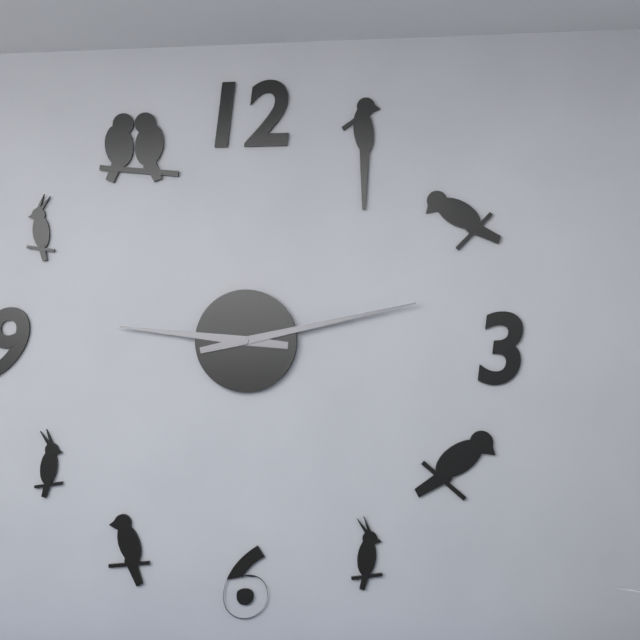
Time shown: **9:13**
